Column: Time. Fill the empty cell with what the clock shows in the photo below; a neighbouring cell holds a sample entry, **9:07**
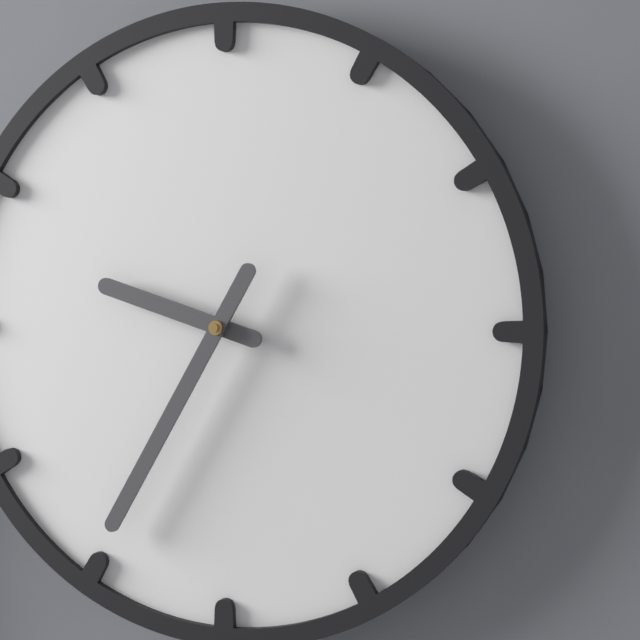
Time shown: **9:35**
